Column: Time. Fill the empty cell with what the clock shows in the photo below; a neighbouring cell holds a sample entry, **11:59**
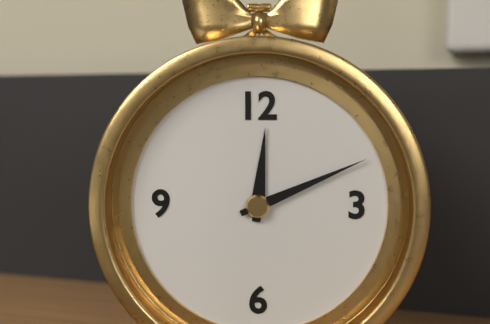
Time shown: **12:11**
